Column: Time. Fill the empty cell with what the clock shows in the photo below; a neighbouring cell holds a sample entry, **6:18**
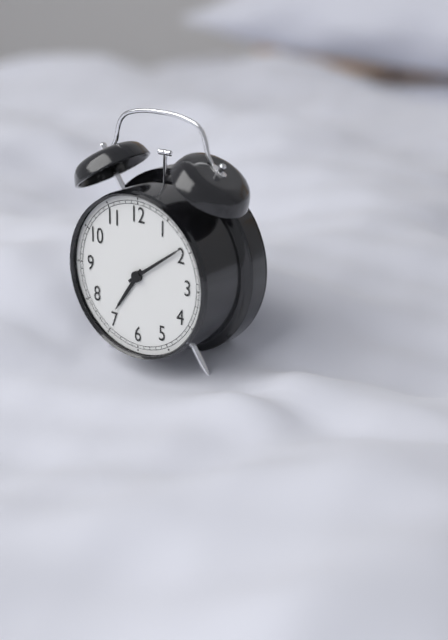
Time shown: **7:09**
